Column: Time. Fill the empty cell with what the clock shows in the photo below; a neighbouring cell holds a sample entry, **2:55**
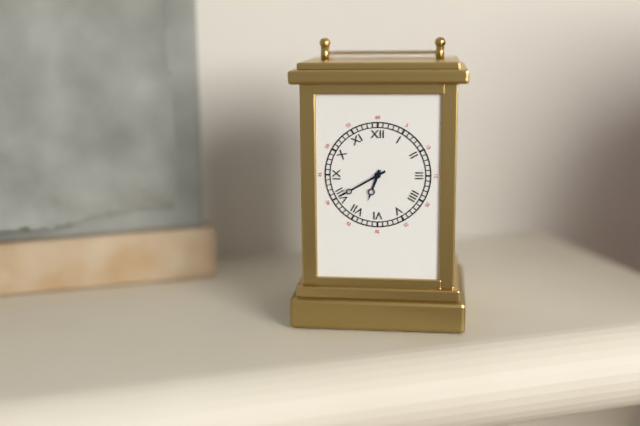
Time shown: **6:40**
